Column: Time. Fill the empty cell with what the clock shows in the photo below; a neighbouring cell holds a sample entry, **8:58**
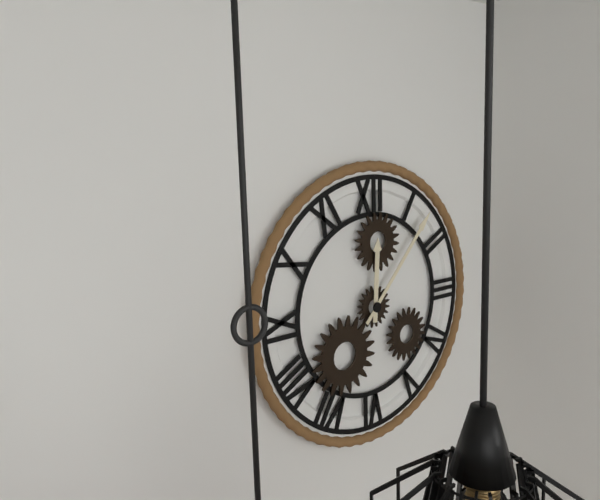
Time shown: **12:07**
